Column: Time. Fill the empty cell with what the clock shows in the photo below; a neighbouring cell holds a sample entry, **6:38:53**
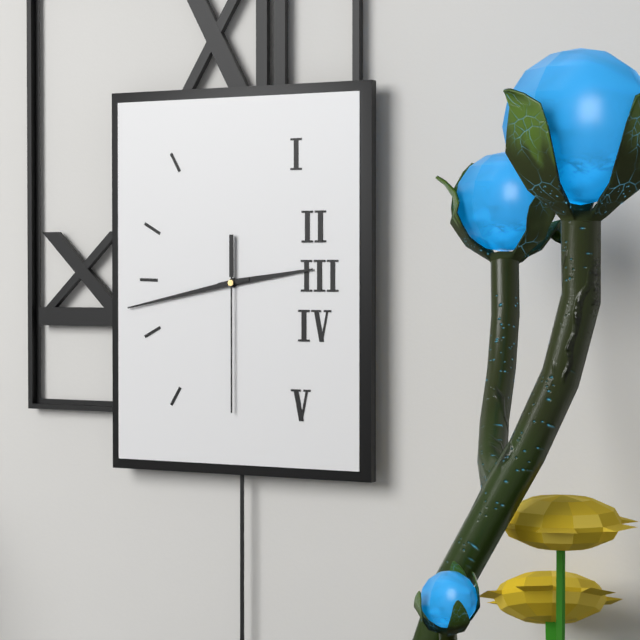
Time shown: **2:43:30**
